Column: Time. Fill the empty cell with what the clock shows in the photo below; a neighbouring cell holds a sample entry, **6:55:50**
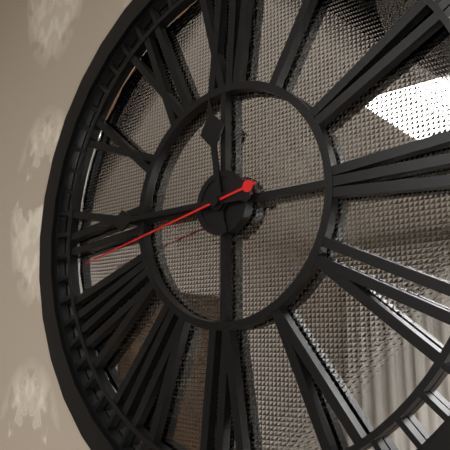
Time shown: **11:45:43**
